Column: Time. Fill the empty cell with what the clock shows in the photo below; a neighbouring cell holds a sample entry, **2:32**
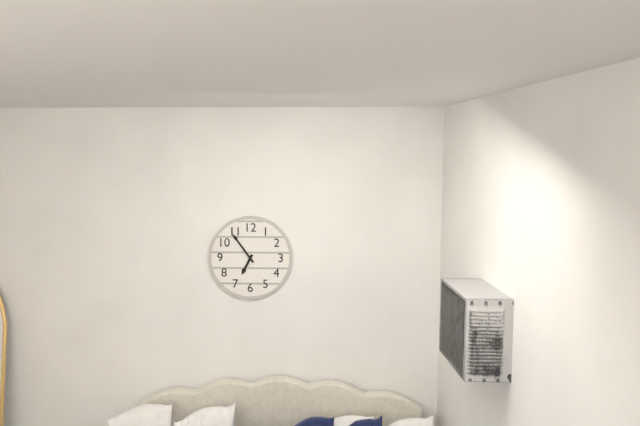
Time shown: **6:54**
